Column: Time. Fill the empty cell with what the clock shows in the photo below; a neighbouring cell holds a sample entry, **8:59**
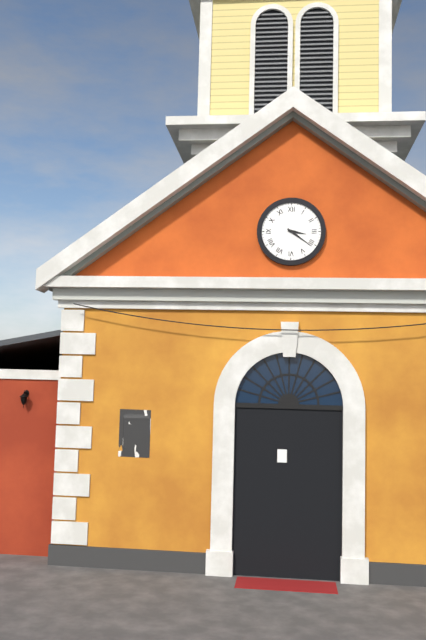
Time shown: **3:21**
